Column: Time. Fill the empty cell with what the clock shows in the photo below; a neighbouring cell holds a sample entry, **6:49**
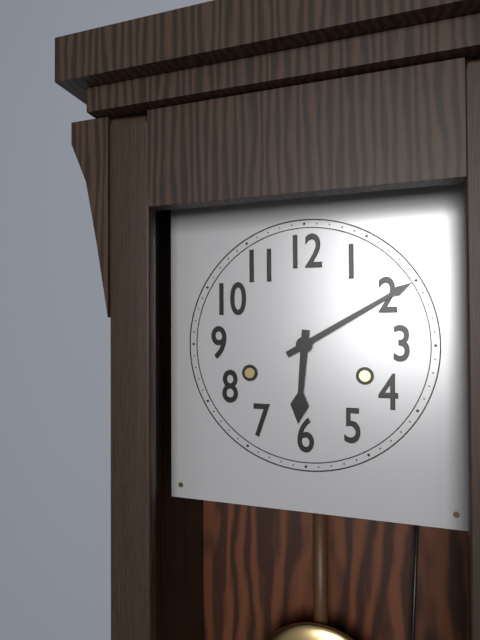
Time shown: **6:10**
